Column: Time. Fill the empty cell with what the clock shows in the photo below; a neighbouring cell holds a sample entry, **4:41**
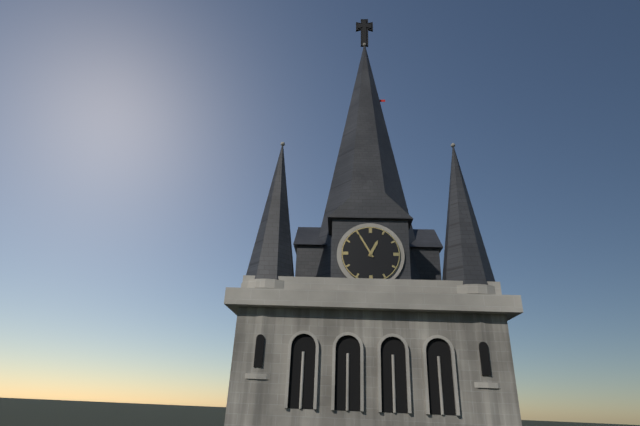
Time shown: **12:55**
